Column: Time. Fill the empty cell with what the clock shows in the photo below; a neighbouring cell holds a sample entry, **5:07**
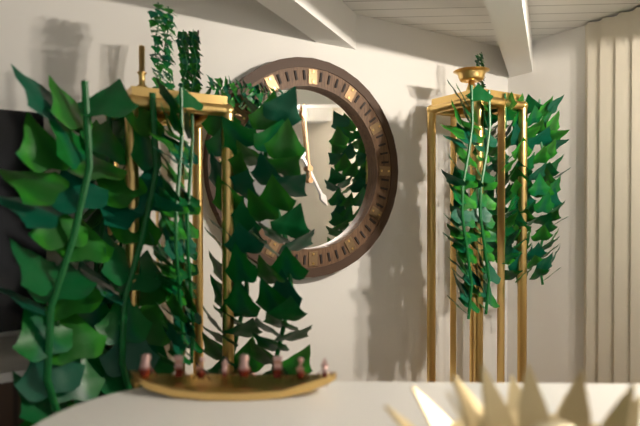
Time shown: **4:59**
